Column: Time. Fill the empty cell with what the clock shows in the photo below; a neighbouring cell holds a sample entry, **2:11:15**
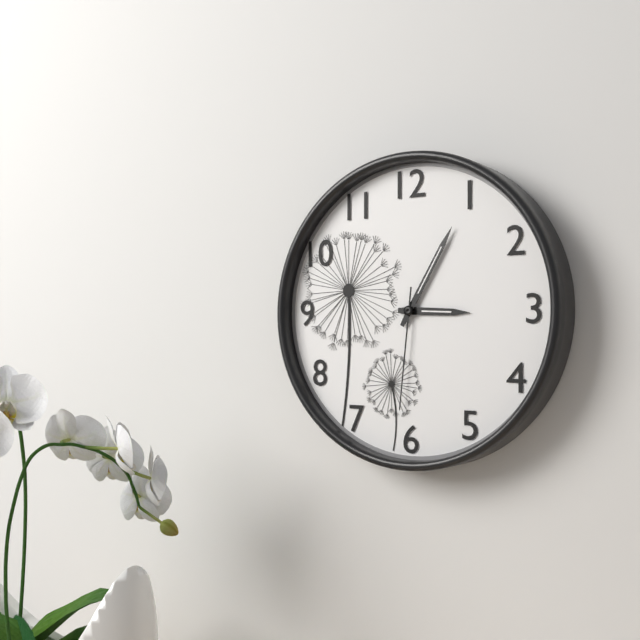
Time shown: **3:05:31**
